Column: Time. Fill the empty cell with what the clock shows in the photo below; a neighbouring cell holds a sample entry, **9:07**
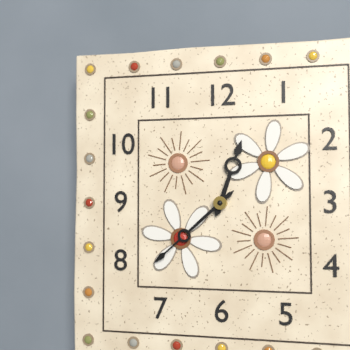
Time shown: **12:38**
